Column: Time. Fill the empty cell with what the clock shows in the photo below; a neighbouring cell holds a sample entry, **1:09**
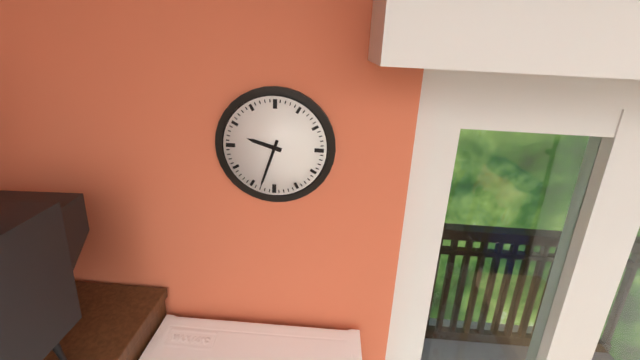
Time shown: **9:33**
